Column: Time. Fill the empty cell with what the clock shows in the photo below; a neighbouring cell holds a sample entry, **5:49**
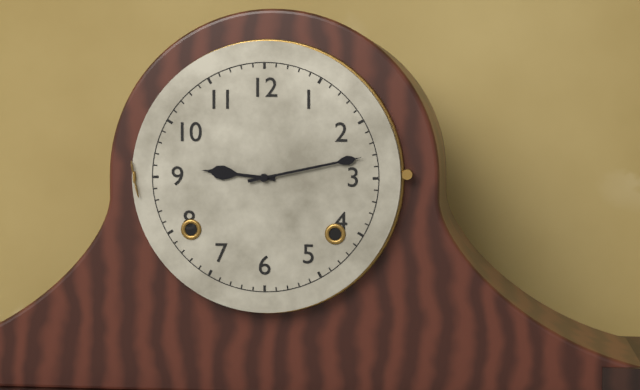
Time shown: **9:13**
